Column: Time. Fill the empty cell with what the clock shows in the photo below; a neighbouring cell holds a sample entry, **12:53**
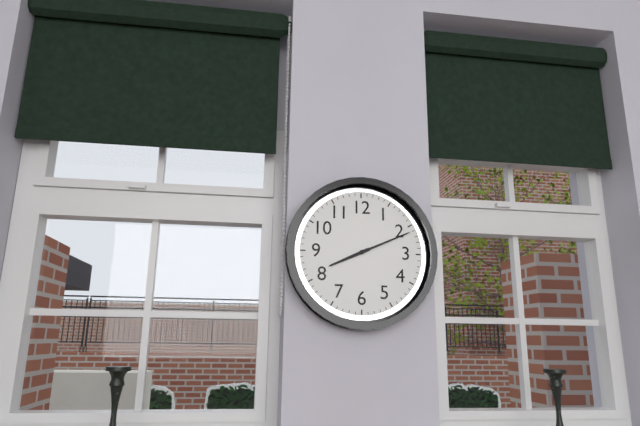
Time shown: **8:11**
